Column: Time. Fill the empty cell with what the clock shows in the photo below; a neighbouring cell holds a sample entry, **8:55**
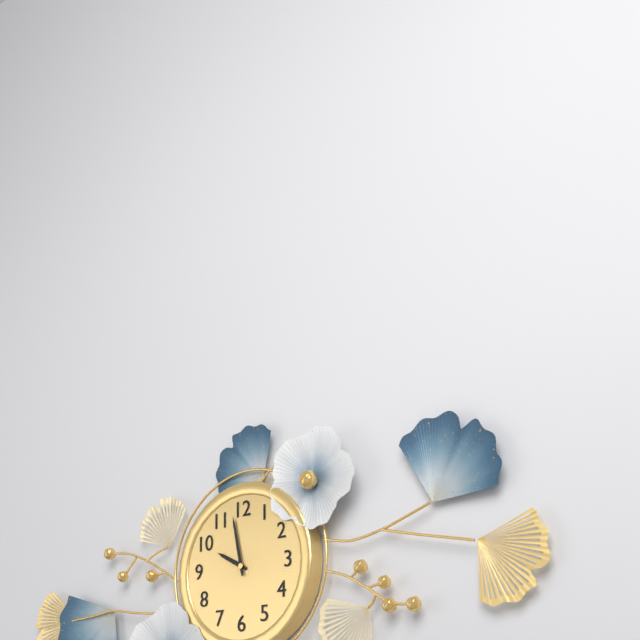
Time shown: **9:58**
